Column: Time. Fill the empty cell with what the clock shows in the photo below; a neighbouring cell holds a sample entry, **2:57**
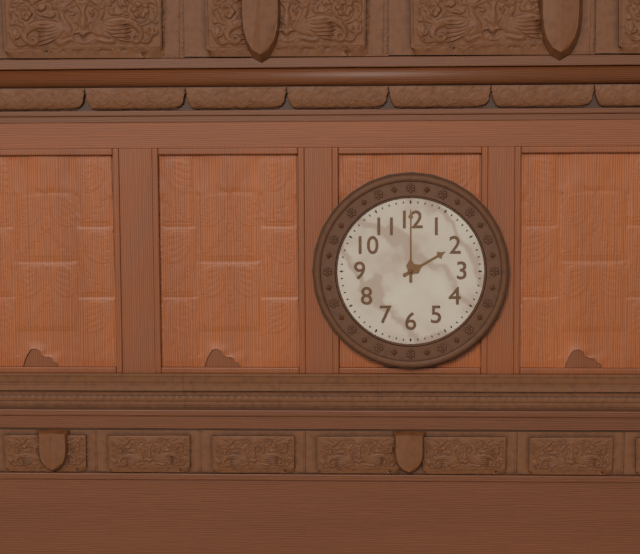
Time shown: **2:00**
